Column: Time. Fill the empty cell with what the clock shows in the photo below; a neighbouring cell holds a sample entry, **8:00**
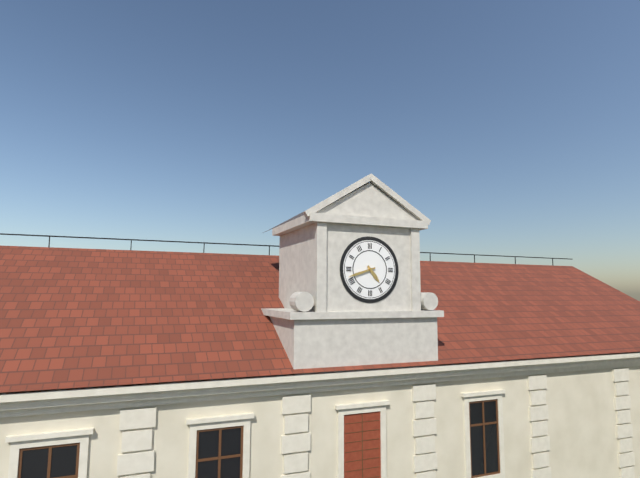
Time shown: **4:42**
